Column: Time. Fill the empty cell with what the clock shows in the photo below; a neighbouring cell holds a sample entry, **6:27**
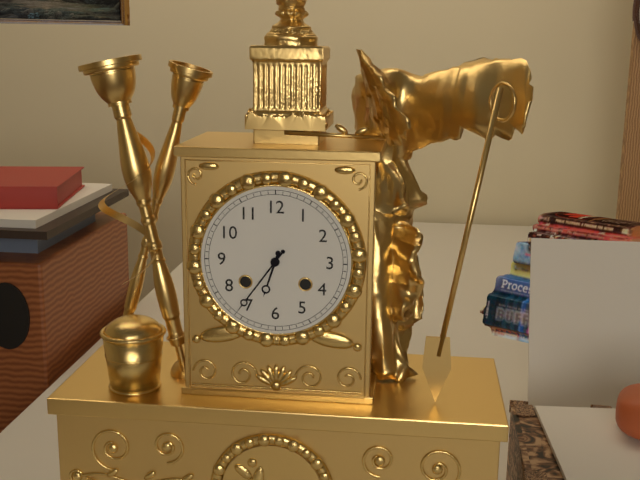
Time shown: **6:36**
